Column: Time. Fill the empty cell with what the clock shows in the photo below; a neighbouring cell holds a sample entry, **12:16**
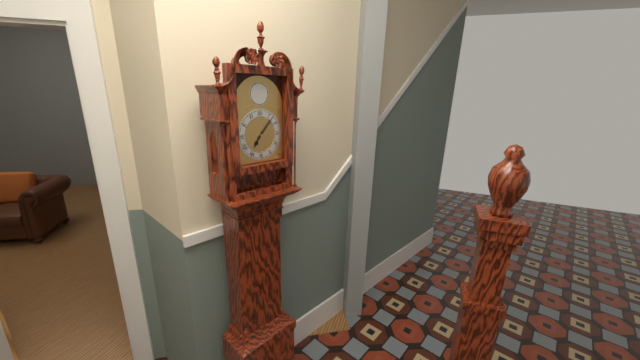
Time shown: **7:07**
